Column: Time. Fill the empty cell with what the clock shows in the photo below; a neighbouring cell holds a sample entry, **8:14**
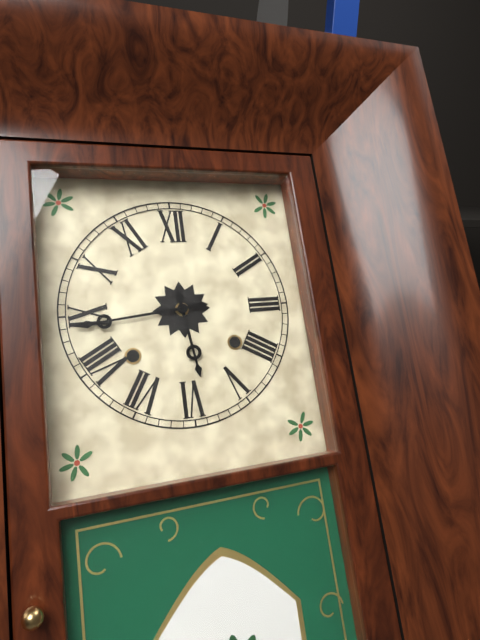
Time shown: **5:44**
